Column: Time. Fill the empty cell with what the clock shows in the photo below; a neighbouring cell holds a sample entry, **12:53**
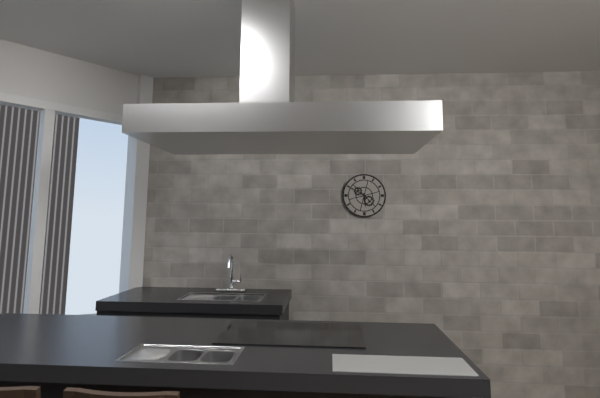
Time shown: **5:50**
